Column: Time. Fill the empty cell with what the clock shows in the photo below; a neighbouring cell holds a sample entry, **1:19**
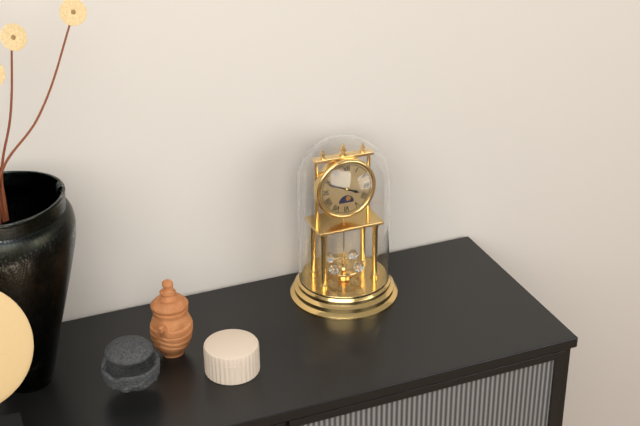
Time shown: **3:49**
